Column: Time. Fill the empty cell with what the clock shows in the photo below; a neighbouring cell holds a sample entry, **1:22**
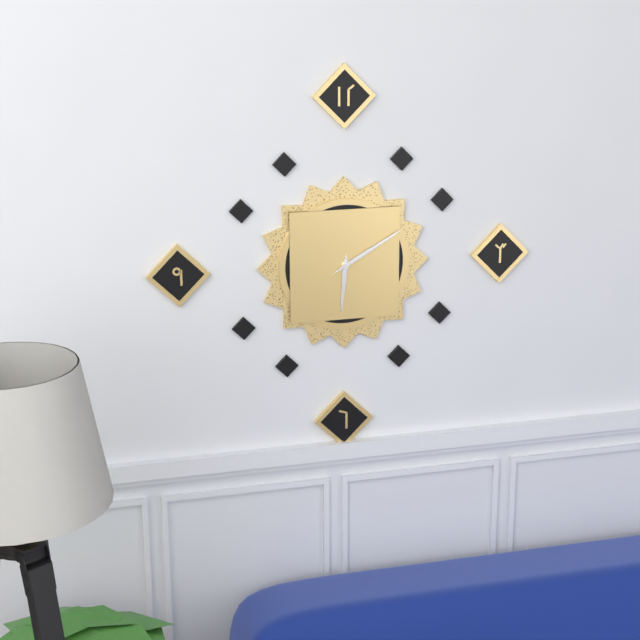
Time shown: **6:10**
